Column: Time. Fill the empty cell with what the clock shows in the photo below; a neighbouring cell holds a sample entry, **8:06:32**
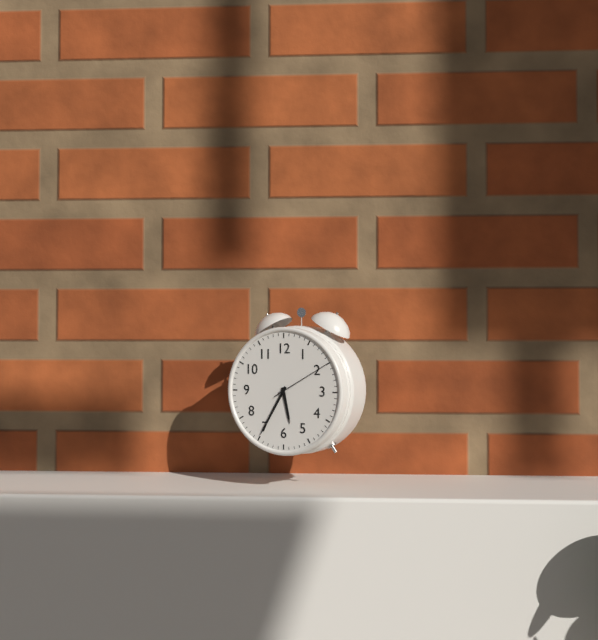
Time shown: **5:35:10**
